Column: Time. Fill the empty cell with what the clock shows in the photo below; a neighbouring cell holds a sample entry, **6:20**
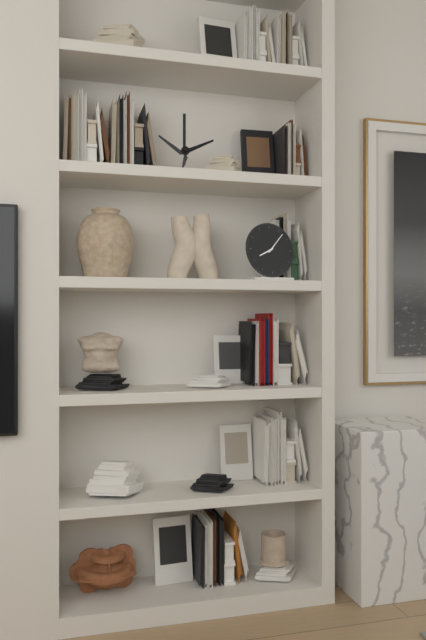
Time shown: **8:07**
